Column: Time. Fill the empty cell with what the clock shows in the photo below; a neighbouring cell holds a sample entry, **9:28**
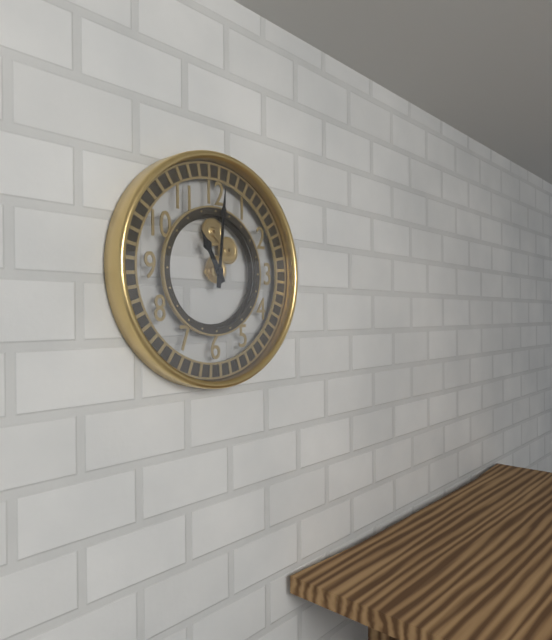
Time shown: **11:01**
